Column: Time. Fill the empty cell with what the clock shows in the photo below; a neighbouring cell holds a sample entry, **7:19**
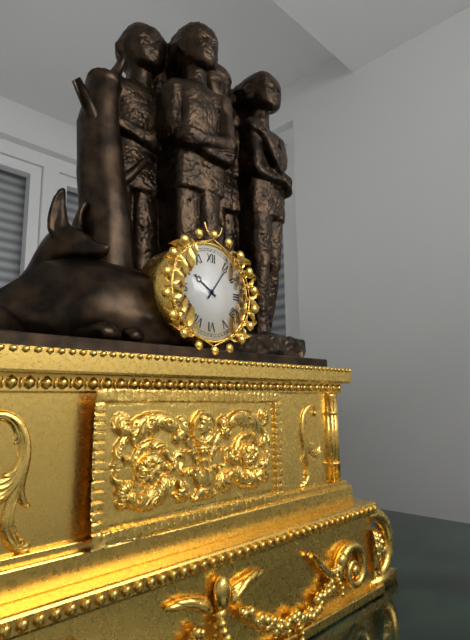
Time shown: **10:06**
